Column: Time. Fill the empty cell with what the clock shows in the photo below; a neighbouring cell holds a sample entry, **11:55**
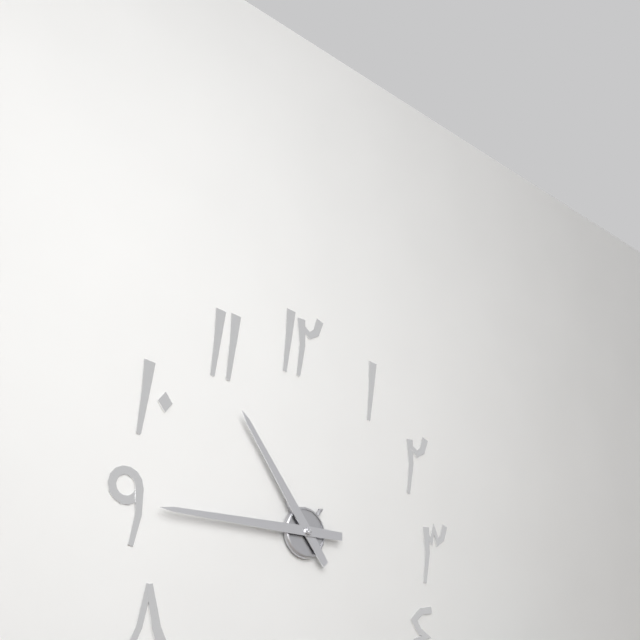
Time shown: **10:45**
